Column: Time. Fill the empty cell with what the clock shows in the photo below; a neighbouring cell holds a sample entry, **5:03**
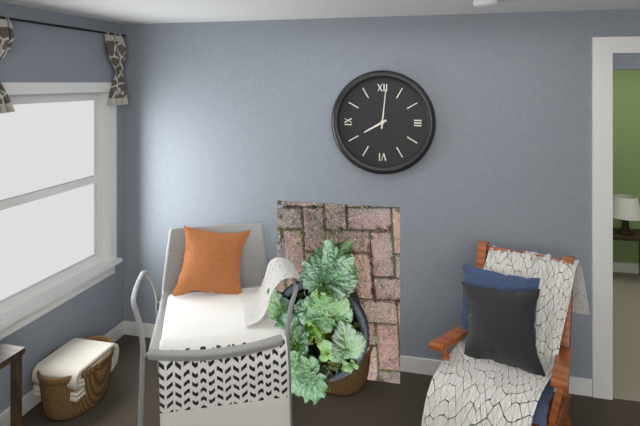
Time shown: **8:01**
